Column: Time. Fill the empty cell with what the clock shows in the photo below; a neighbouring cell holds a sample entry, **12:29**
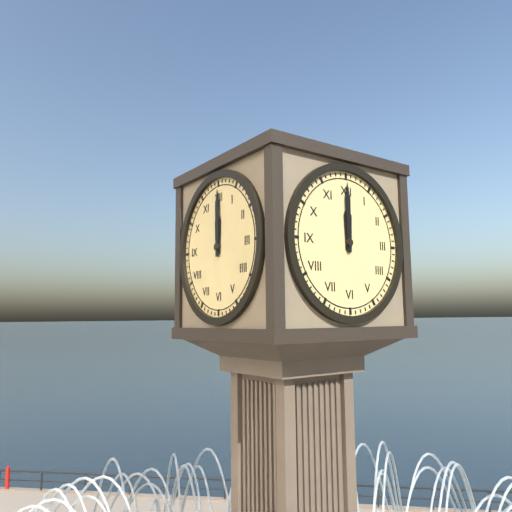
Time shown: **12:00**
